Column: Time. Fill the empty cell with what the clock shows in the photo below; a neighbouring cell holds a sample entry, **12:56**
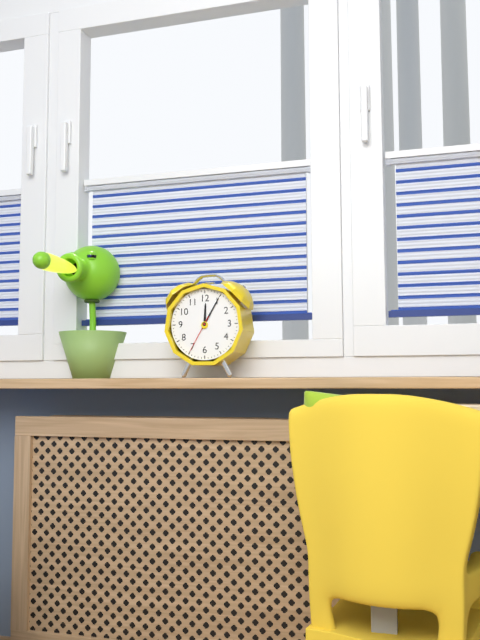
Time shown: **12:05**
